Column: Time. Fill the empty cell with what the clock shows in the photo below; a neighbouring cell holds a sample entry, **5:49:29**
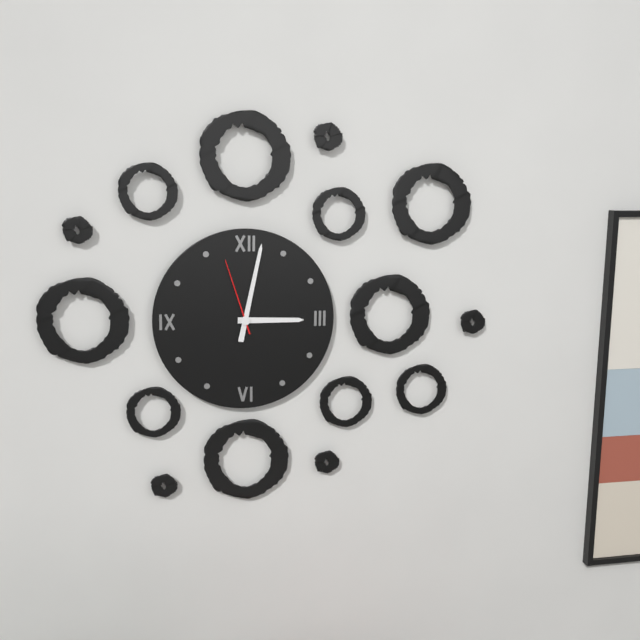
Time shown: **3:02:57**
